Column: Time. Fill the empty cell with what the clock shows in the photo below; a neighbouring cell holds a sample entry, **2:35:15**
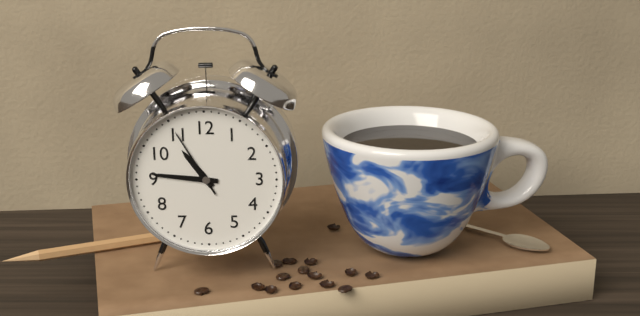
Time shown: **10:46:55**
